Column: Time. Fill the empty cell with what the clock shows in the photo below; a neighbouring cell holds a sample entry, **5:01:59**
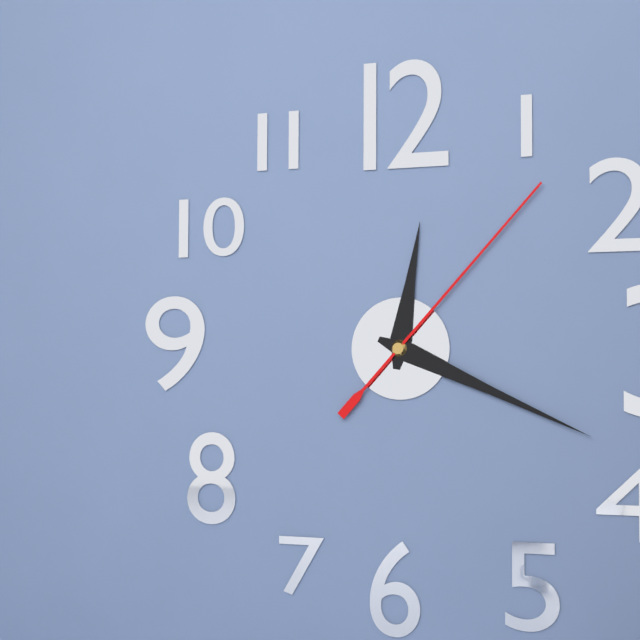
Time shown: **12:19:07**
